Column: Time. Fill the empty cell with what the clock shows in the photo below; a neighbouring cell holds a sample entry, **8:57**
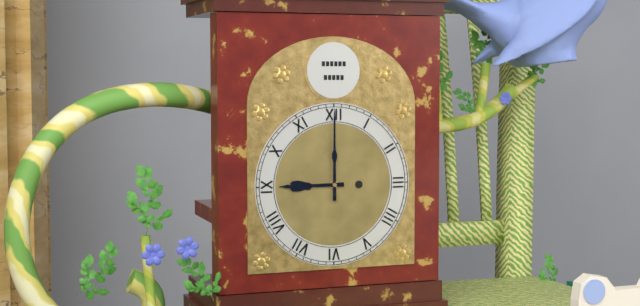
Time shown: **9:00**
